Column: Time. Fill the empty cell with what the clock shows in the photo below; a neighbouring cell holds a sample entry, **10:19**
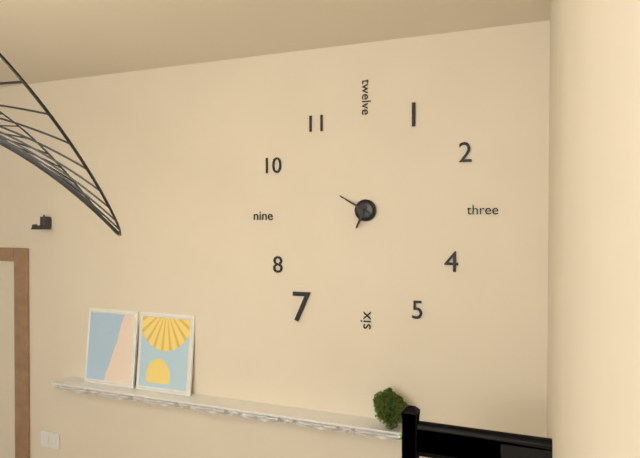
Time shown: **6:50**
